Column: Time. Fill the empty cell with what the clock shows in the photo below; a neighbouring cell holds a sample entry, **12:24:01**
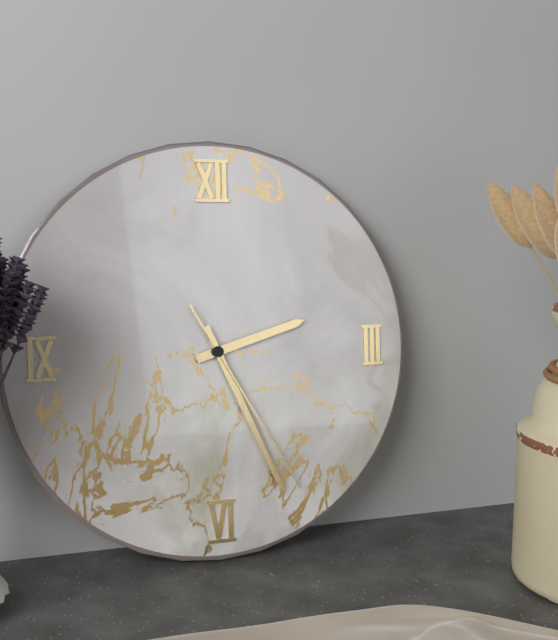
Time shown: **2:26:25**
